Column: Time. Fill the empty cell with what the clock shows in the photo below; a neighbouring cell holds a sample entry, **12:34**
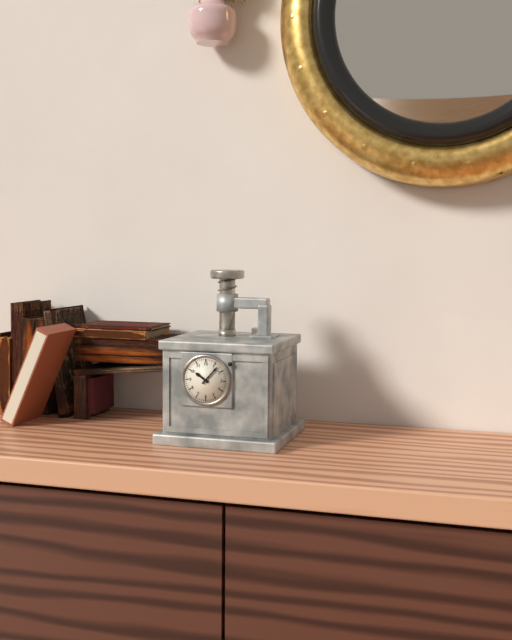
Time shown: **10:07**
